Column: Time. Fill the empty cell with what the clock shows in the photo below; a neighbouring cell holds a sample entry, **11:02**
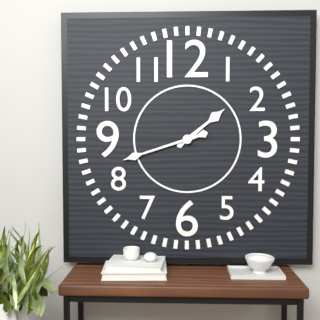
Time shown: **1:42**
